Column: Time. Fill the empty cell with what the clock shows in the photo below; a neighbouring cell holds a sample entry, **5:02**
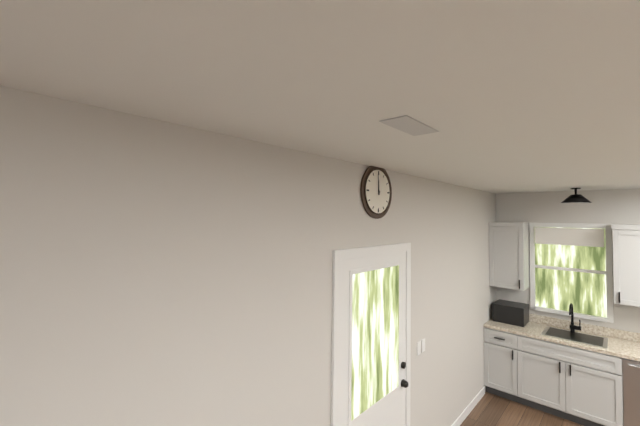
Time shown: **11:59**
